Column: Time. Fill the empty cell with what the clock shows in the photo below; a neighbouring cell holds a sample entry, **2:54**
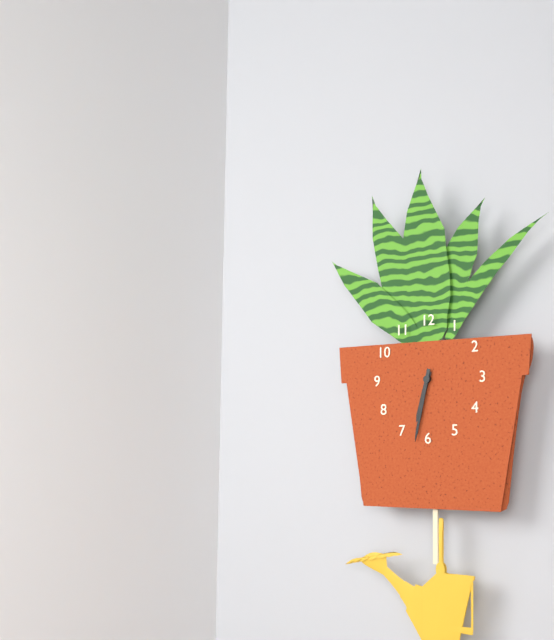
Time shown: **6:32**
